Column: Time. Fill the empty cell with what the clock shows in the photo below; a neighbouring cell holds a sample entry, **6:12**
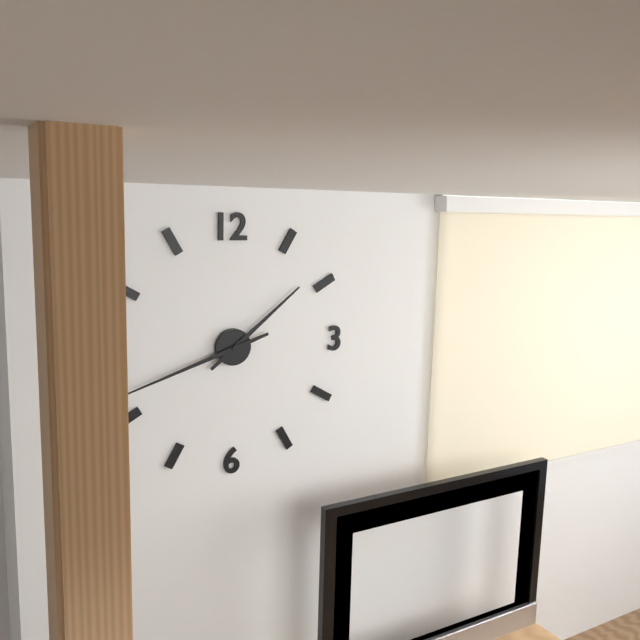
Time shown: **1:42**
